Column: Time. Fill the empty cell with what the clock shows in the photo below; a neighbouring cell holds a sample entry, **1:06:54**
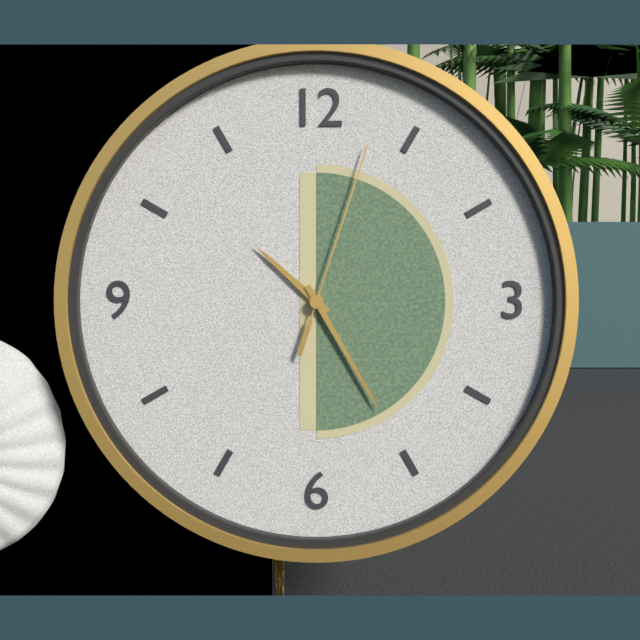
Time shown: **10:25:03**
